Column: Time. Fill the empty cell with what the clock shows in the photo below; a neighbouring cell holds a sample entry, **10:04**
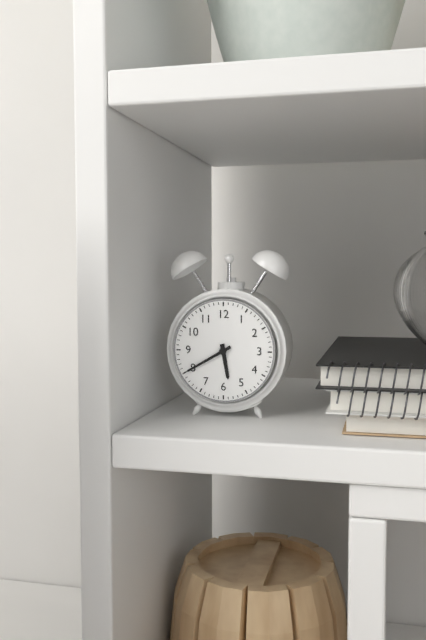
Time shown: **5:40**
